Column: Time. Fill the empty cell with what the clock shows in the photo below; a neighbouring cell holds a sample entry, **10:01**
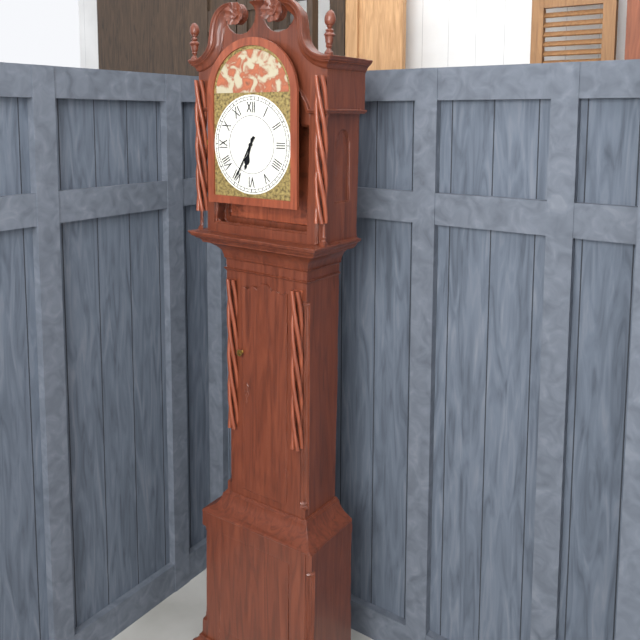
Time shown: **6:35**
